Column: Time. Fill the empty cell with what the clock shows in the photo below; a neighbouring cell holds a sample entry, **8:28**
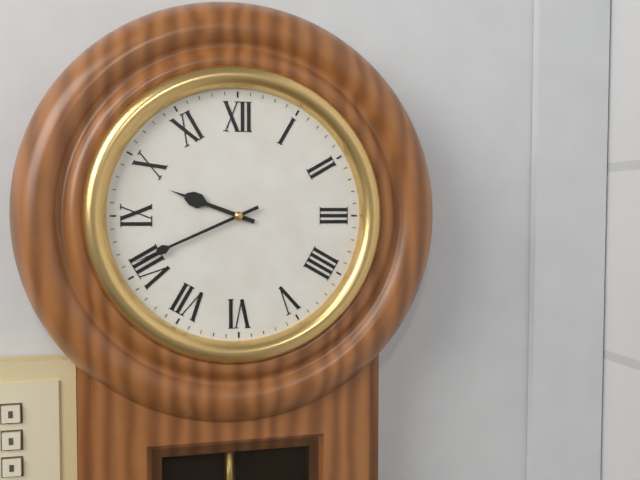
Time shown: **9:41**
